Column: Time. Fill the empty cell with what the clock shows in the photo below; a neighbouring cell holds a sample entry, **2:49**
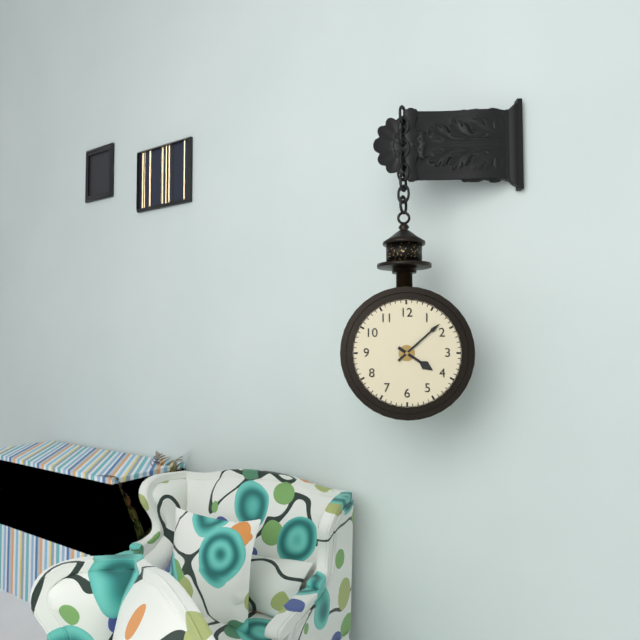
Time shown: **4:08**
